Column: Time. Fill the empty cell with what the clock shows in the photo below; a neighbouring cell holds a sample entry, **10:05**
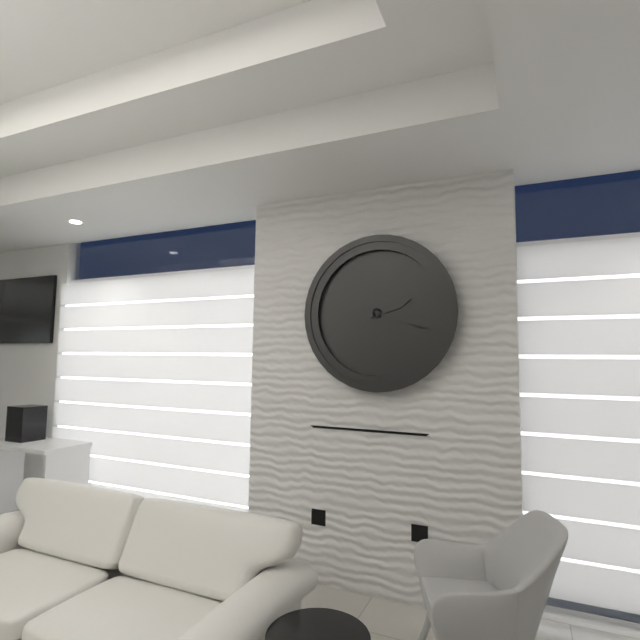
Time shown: **2:18**
